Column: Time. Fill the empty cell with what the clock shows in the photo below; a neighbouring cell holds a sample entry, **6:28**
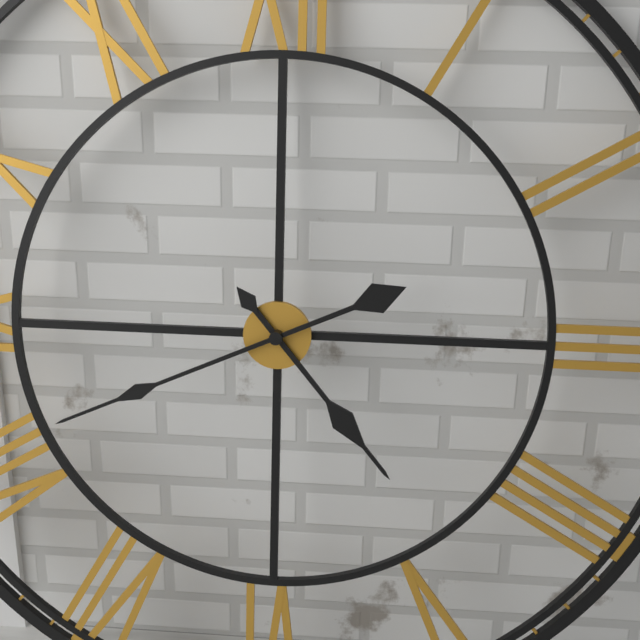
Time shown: **4:41**
